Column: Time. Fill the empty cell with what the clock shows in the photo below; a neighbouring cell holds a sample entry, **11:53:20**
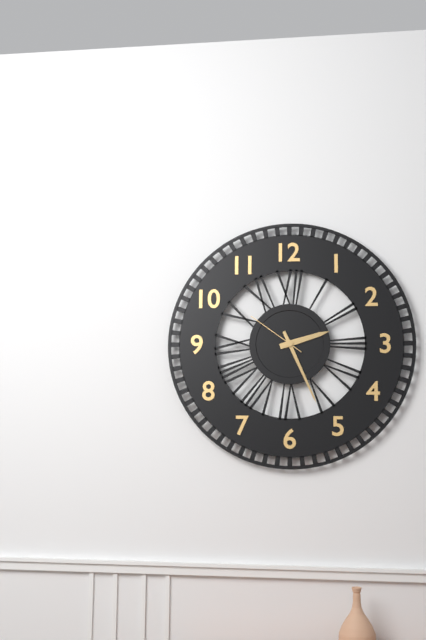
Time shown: **2:26:51**
